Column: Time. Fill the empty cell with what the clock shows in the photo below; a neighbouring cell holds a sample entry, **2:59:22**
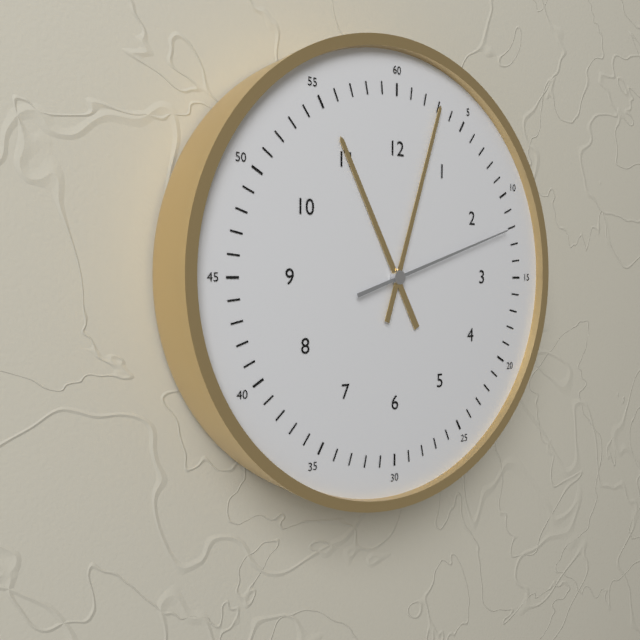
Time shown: **11:03:12**
